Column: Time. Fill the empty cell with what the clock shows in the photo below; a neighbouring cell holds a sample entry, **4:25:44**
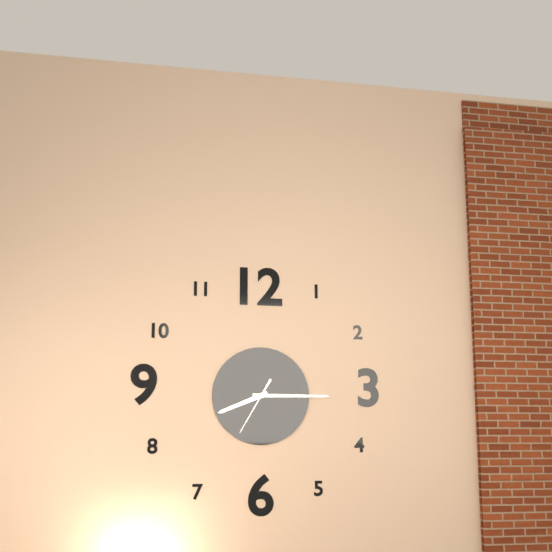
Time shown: **8:15:35**
